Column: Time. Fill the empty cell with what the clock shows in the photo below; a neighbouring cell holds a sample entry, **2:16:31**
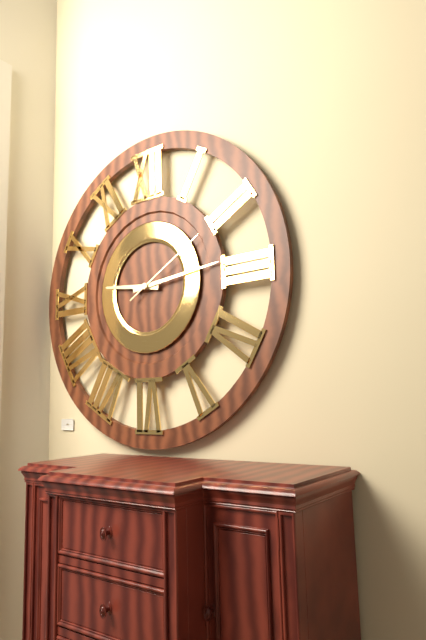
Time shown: **9:14:10**
